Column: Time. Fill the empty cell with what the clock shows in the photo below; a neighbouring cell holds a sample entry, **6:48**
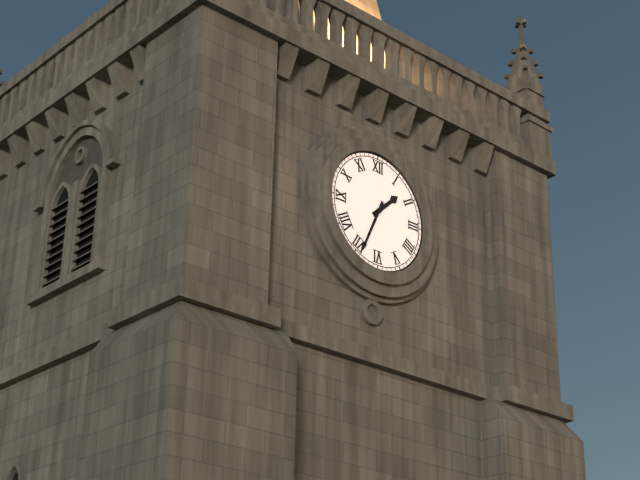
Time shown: **1:34**
